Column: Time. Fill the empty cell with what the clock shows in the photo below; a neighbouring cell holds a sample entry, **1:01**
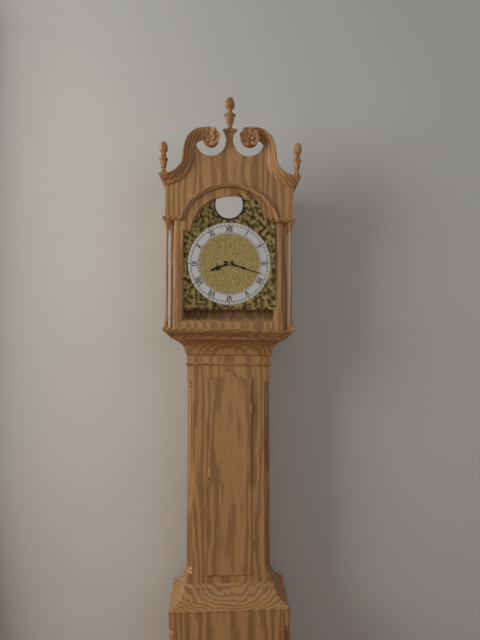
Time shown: **8:18**
